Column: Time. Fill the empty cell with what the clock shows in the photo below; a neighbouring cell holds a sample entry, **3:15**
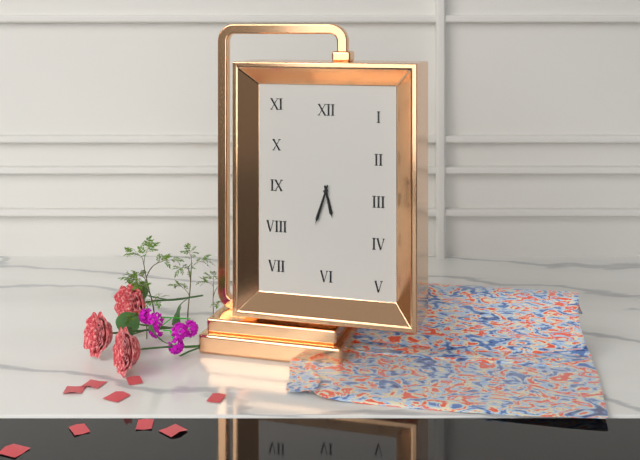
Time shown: **5:33**
